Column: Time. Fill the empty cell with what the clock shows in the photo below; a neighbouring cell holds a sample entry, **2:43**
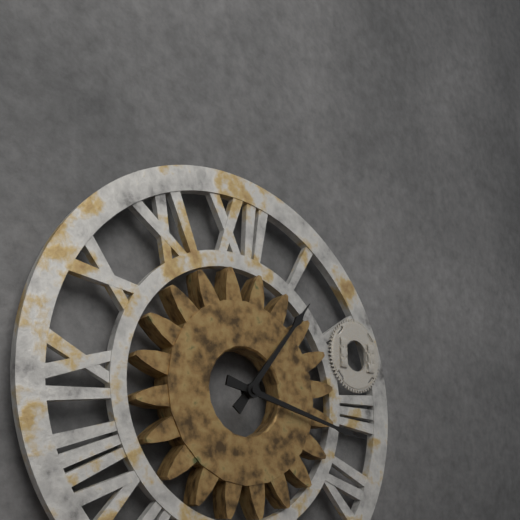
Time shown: **1:17**
